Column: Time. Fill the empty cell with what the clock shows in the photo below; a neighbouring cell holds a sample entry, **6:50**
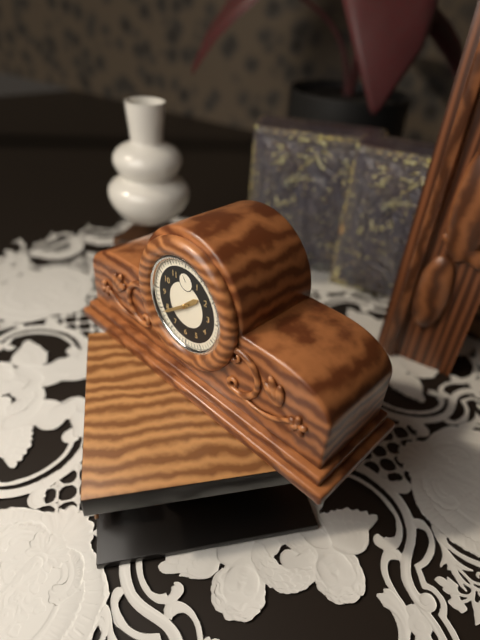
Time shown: **1:39**
